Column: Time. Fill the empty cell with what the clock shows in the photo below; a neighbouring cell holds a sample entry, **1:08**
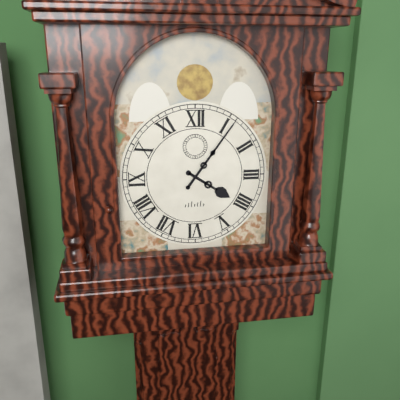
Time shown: **4:06**
